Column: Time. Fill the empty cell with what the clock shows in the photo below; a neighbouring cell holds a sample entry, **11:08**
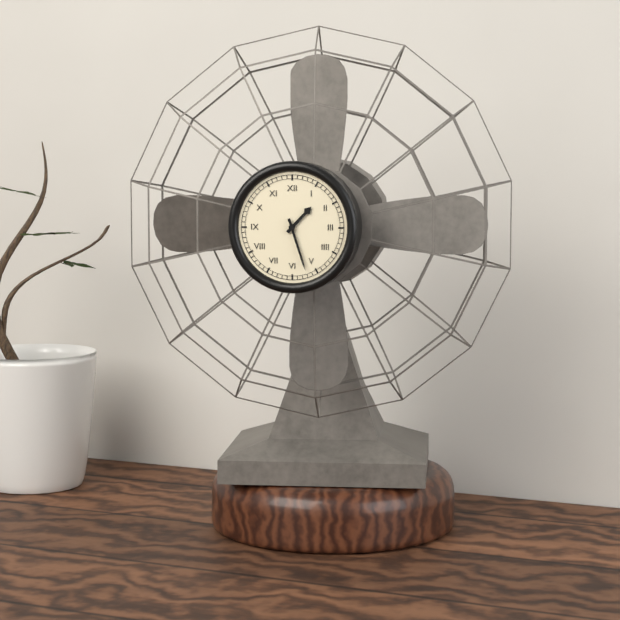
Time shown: **1:27**
